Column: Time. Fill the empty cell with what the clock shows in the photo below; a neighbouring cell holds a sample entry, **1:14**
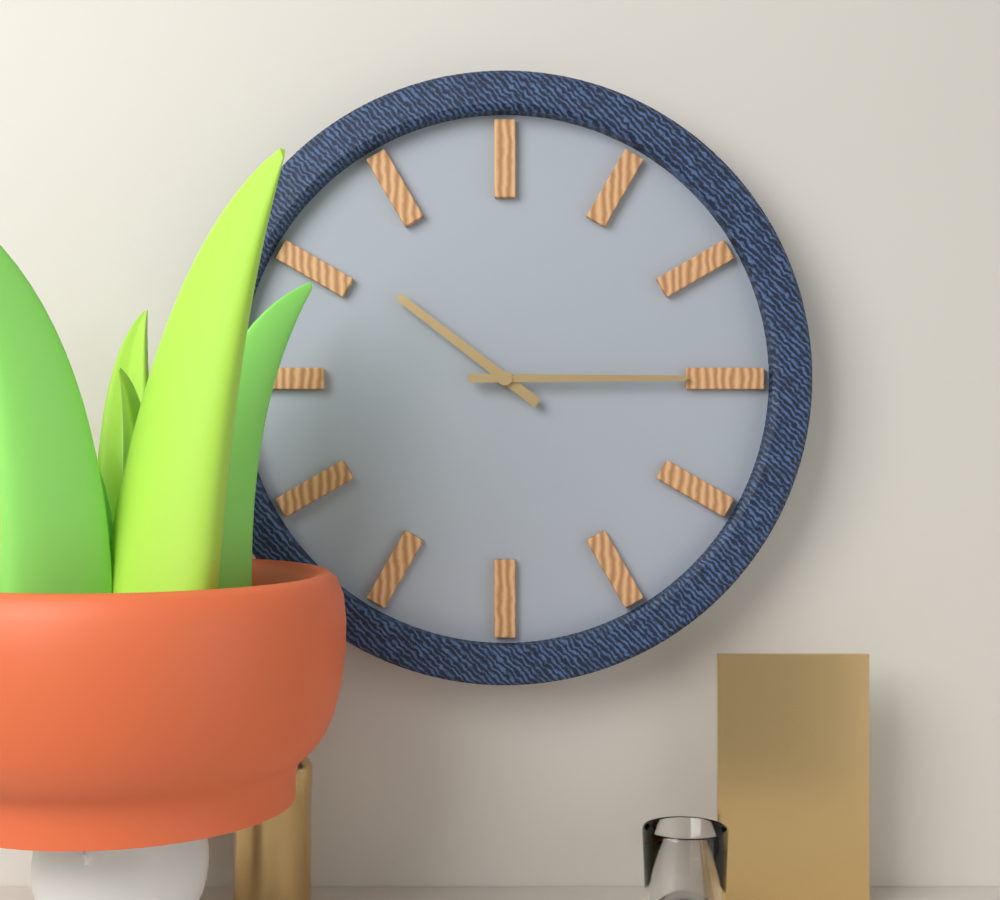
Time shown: **10:15**
